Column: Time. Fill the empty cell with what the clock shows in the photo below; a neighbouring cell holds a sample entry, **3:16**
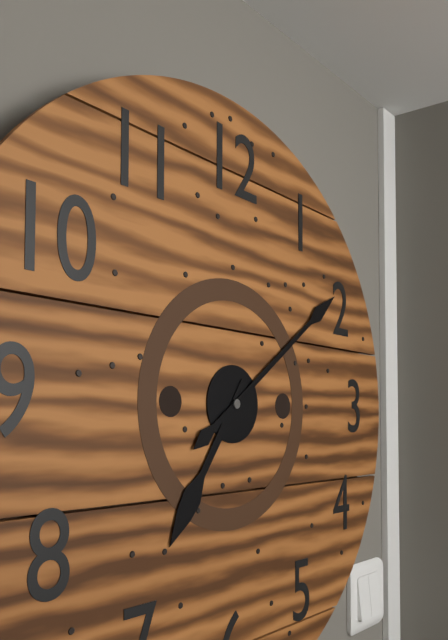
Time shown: **7:09**
